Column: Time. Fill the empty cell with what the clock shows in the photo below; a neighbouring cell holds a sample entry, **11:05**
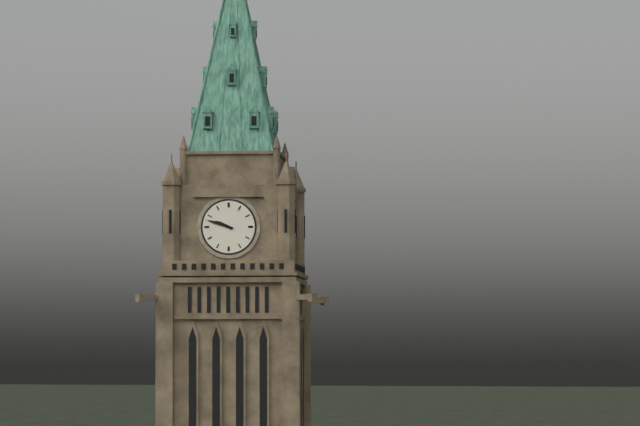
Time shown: **9:48**
